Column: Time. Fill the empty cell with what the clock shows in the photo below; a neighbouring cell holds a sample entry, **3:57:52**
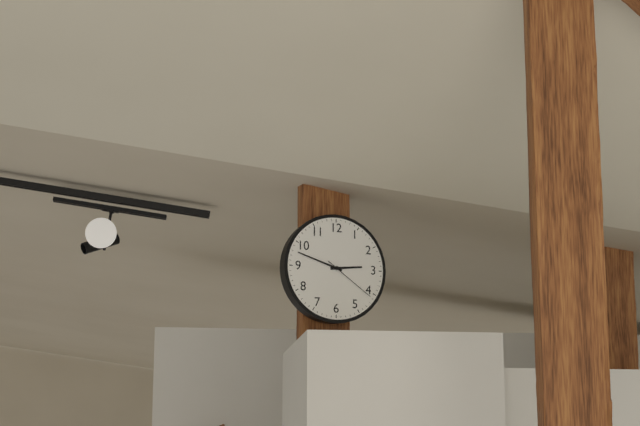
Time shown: **2:48:21**
